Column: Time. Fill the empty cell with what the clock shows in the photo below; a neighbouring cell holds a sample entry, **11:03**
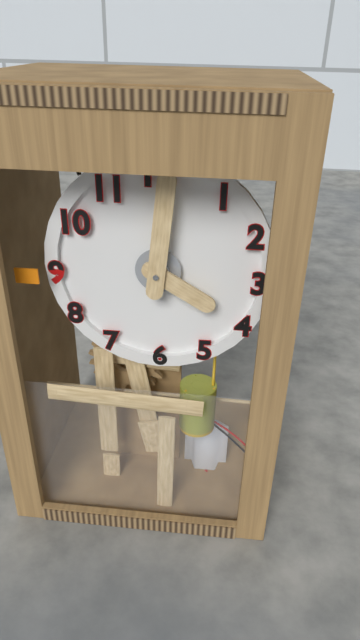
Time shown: **4:01**
